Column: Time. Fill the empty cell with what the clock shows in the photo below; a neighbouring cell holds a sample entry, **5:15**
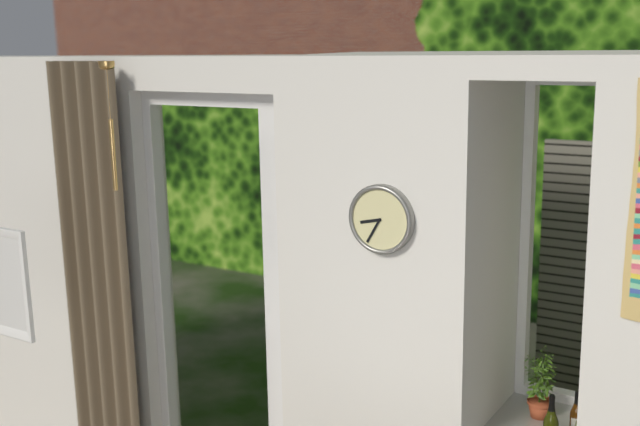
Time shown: **8:35**
